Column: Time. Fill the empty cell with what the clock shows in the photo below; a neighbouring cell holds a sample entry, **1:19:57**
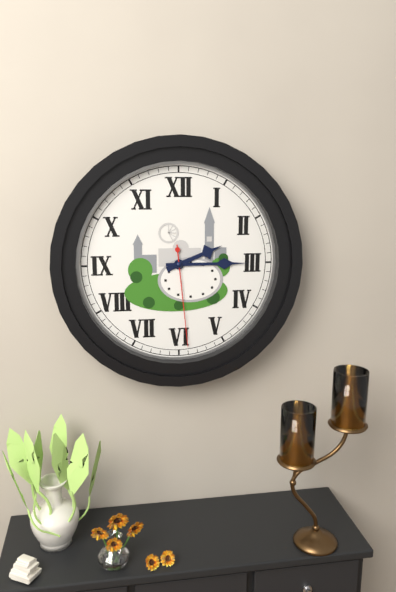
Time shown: **2:15:29**
